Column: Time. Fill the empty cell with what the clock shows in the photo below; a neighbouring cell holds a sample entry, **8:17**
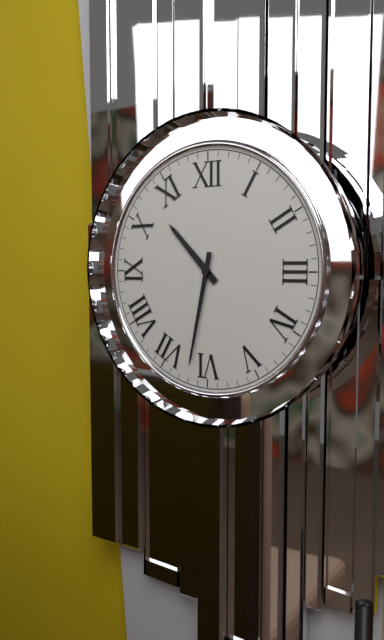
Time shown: **10:32**
